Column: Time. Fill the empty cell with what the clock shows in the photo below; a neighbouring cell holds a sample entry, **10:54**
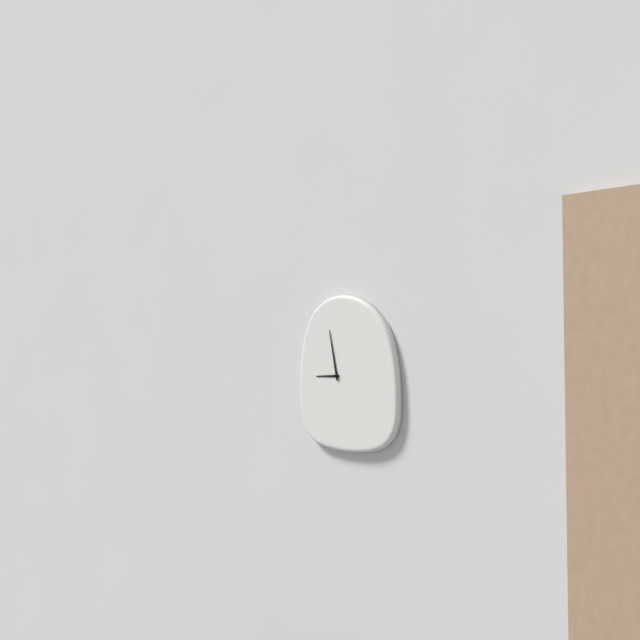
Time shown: **8:58**
